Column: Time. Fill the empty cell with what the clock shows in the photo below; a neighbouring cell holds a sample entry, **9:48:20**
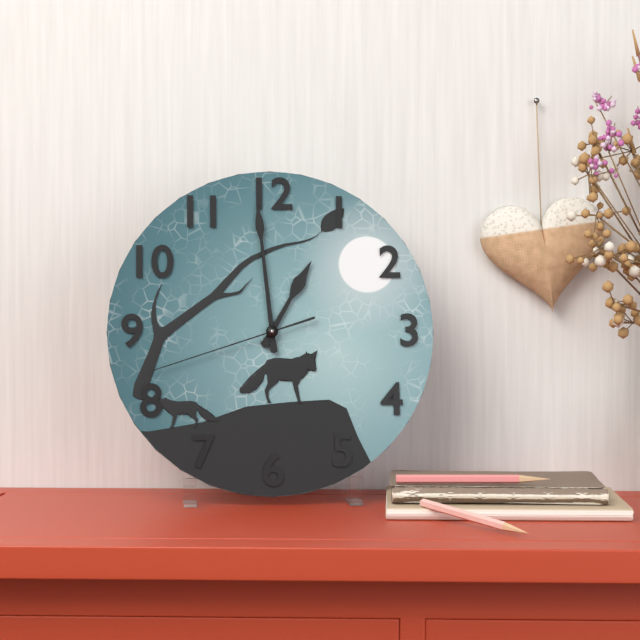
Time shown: **12:59:42**
